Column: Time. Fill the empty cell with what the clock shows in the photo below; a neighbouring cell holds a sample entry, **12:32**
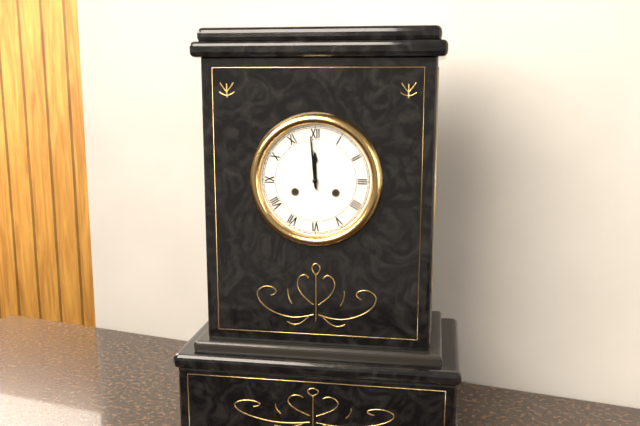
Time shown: **11:59**
